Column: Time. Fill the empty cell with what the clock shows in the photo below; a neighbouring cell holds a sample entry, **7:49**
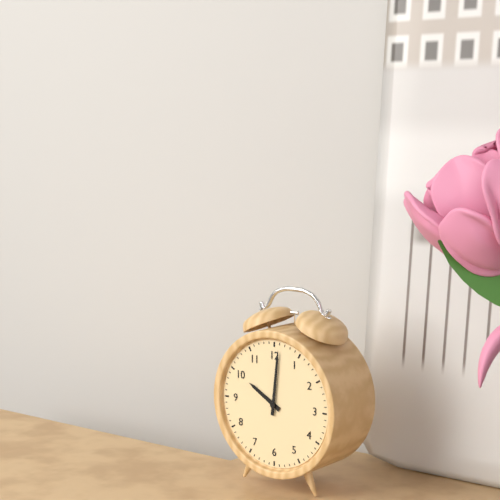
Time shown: **10:01**
